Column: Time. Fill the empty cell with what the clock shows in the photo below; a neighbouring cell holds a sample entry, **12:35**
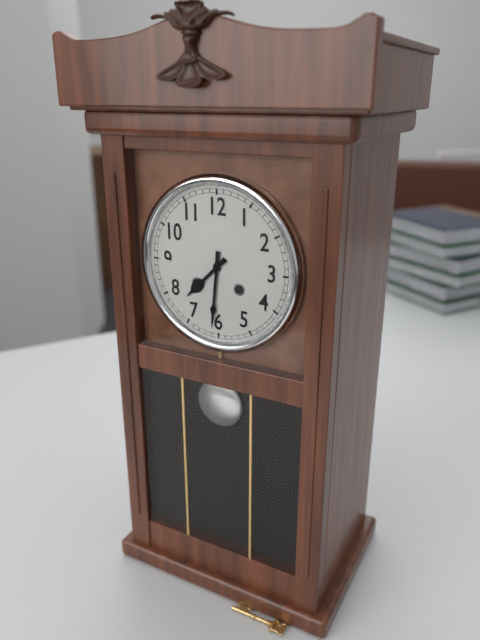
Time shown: **7:31**
